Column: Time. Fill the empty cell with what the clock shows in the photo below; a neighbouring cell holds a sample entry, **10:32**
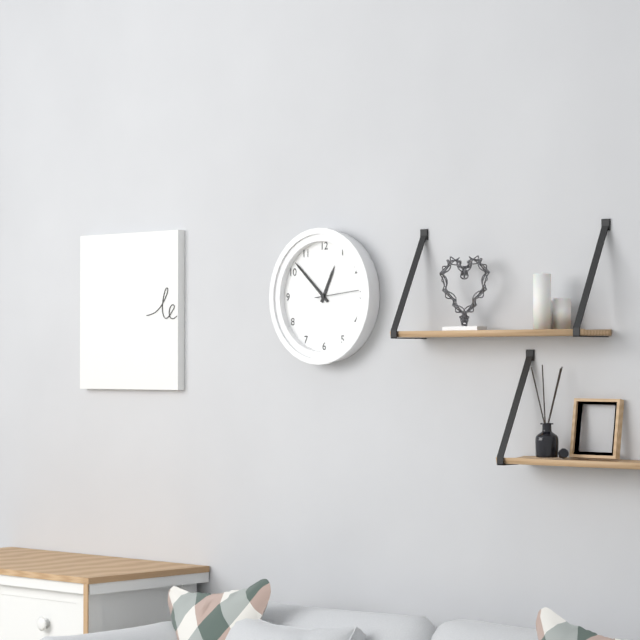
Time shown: **12:52**
